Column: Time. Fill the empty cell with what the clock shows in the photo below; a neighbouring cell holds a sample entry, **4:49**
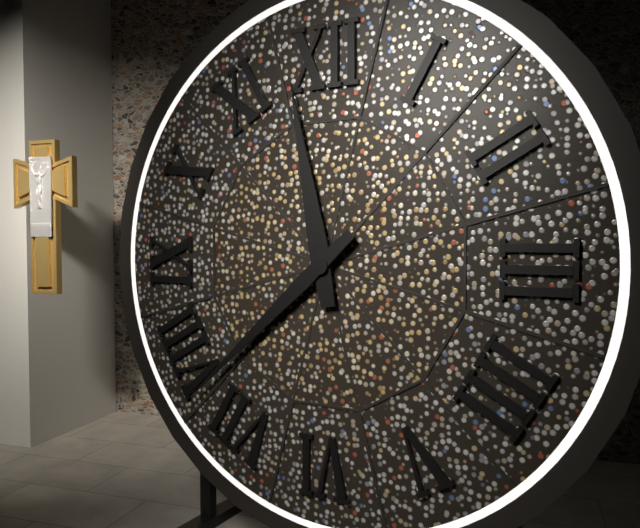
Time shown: **11:38**
